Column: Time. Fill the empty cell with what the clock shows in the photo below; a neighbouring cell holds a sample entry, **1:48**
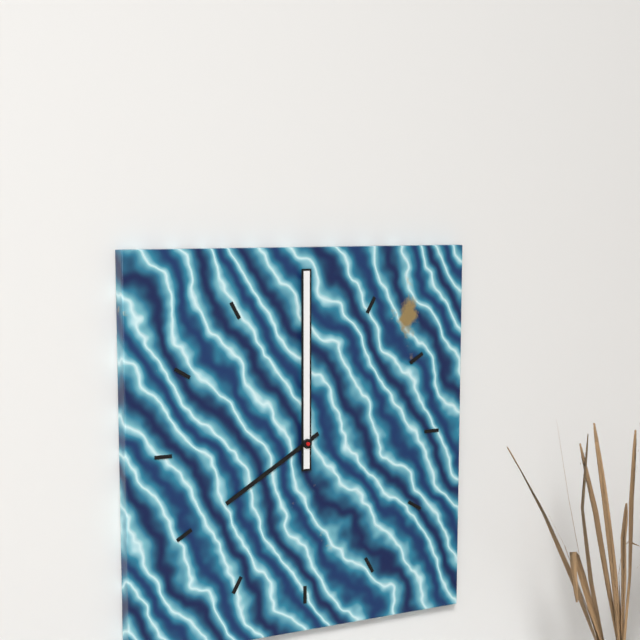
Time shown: **8:00**
